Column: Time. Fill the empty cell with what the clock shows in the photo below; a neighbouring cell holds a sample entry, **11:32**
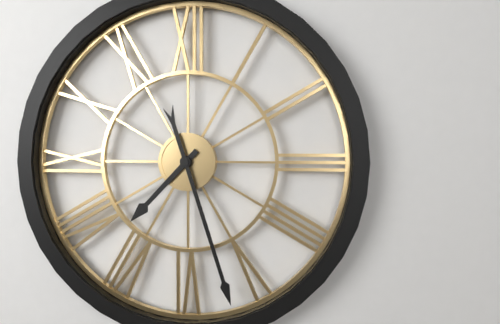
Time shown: **7:27**
